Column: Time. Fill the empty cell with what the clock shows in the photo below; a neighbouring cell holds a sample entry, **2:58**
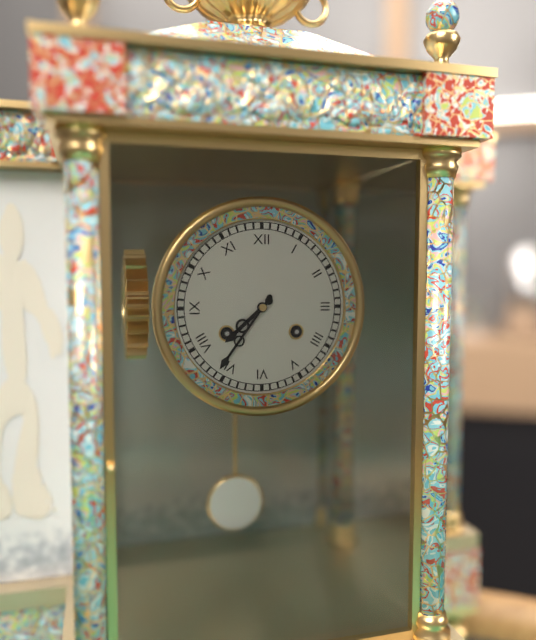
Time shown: **7:36**
